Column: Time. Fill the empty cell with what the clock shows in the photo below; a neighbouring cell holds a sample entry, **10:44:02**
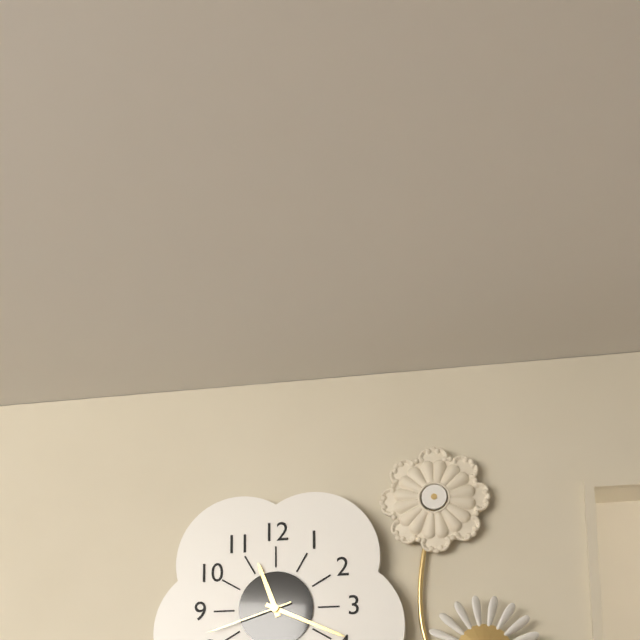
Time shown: **11:19:42**
